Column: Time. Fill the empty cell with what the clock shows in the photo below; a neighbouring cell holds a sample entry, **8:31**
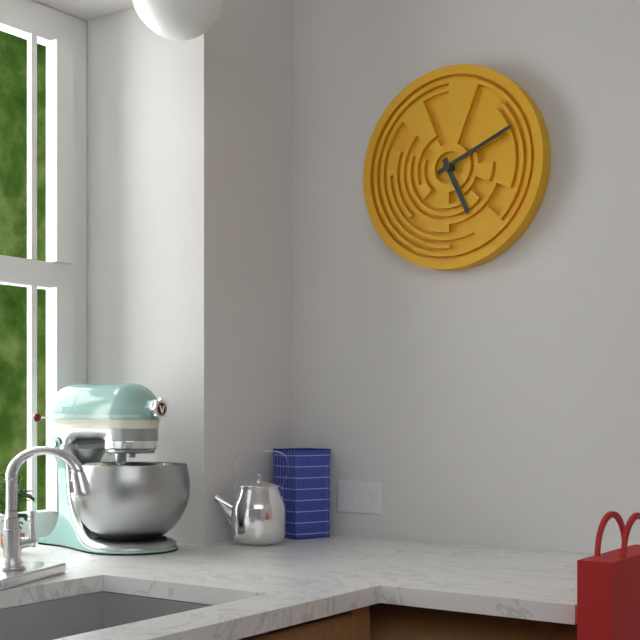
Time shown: **5:11**
